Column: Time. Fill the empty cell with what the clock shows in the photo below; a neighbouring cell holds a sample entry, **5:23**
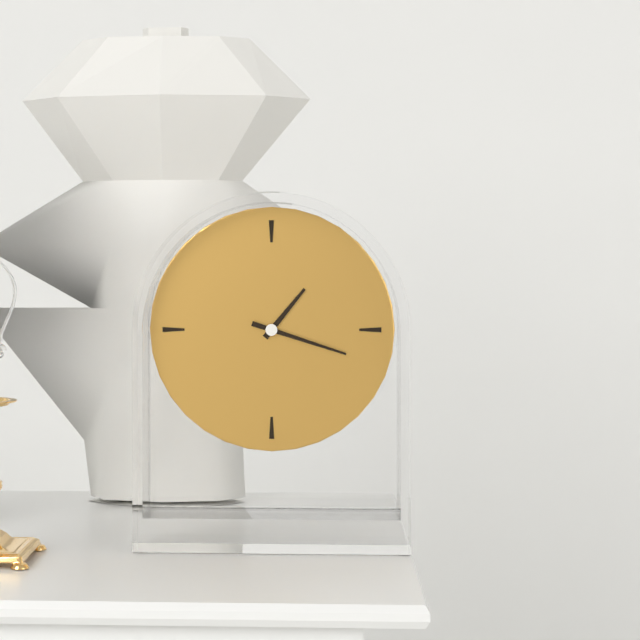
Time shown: **1:18**
